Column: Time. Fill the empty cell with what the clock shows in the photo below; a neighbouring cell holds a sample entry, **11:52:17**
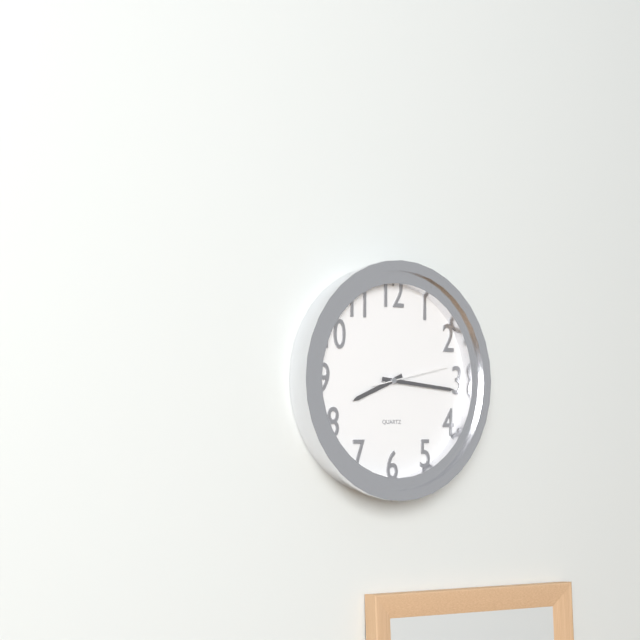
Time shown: **8:16:13**
